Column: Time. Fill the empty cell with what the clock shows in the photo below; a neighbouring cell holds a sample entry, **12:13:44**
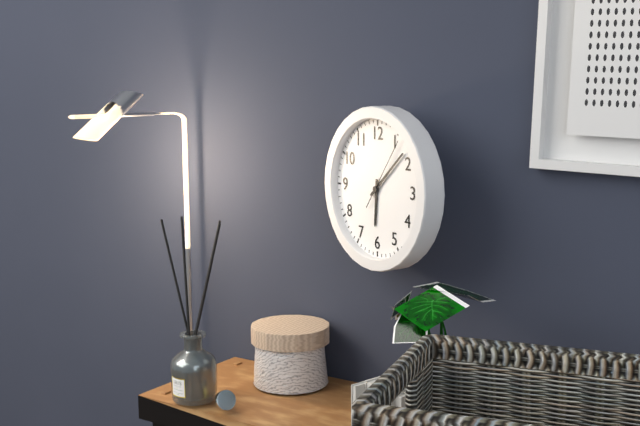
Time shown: **6:08:06**
